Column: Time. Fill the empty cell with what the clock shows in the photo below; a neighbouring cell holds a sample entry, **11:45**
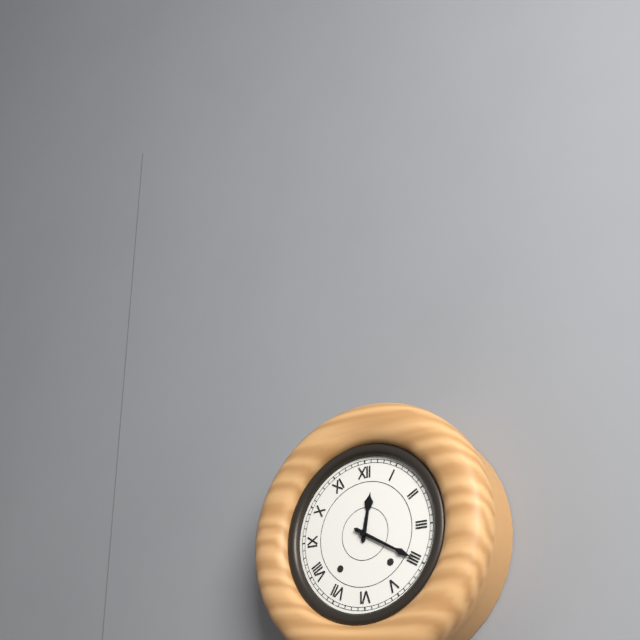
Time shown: **12:20**
